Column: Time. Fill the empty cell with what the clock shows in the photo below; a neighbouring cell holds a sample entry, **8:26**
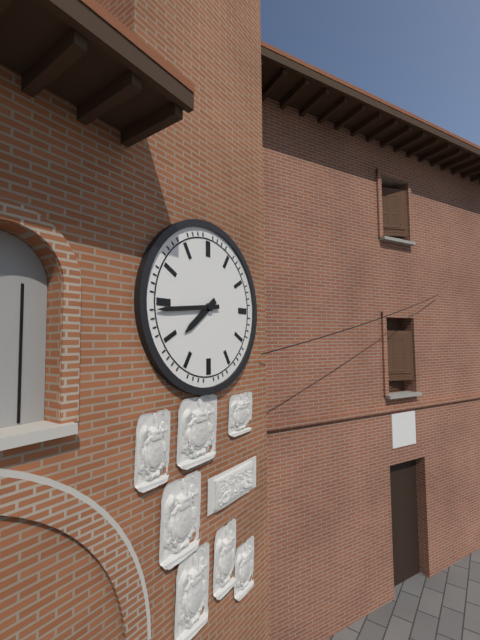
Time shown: **7:44**
